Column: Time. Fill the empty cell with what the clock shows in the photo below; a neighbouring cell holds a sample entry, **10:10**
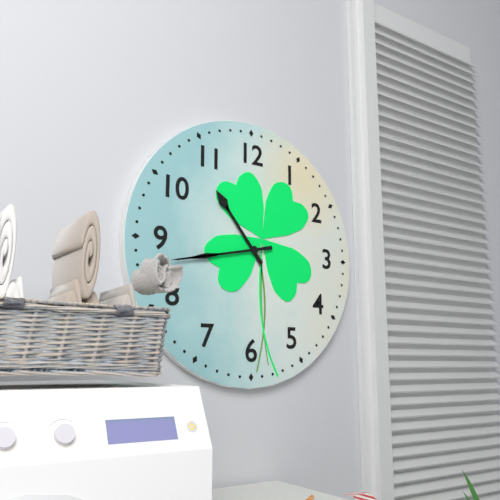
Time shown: **10:43**
